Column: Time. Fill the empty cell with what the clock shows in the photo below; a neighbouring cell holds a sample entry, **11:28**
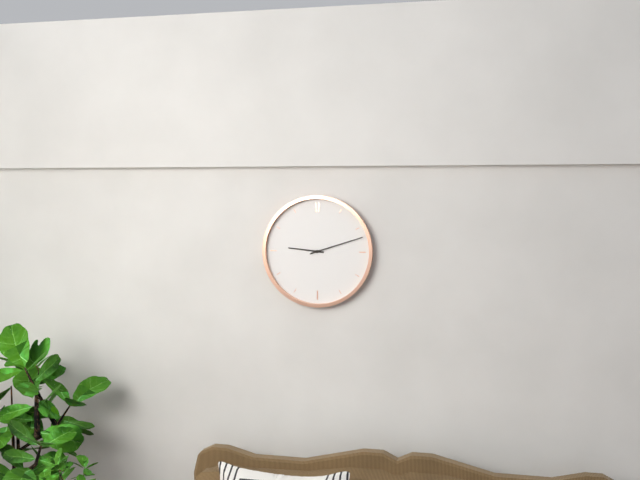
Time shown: **9:12**
